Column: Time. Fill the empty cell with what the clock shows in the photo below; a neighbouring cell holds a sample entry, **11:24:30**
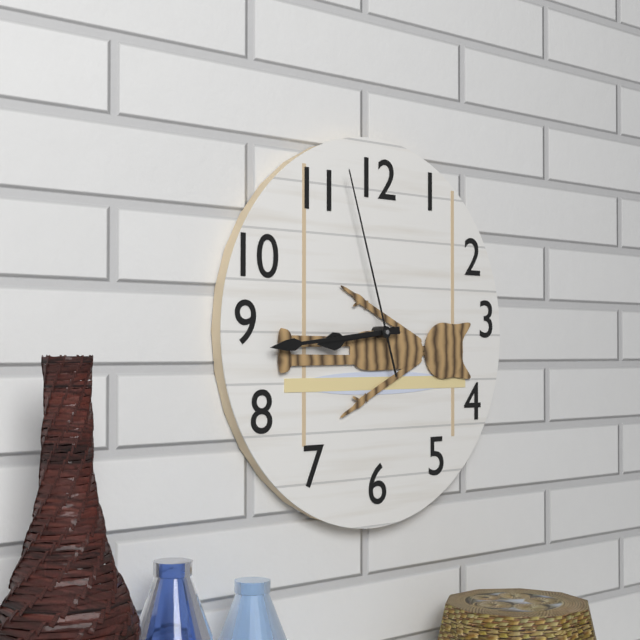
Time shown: **8:44:57**
